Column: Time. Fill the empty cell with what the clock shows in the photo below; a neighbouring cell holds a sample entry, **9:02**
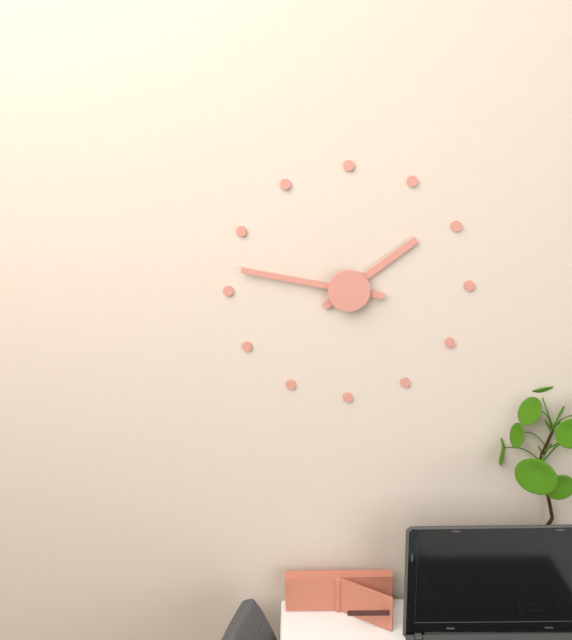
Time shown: **1:47**
